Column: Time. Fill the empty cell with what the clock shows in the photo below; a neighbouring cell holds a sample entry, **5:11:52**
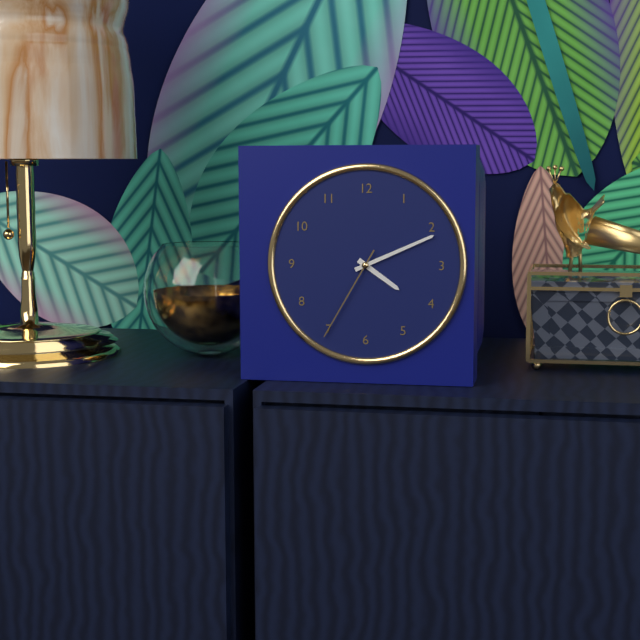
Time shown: **4:11:35**
